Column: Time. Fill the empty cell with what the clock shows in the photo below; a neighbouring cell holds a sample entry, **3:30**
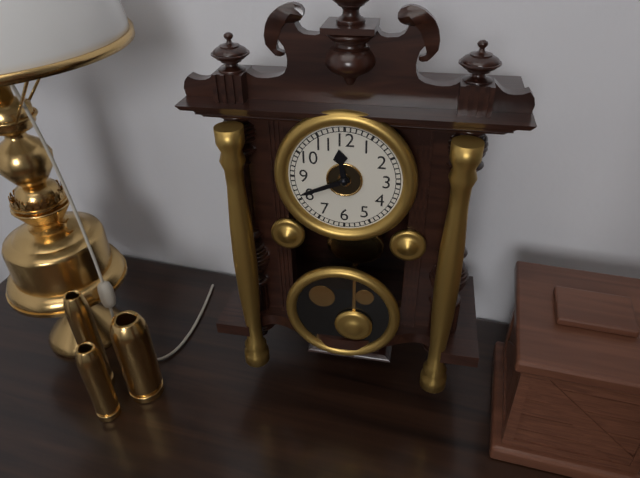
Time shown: **11:41**
